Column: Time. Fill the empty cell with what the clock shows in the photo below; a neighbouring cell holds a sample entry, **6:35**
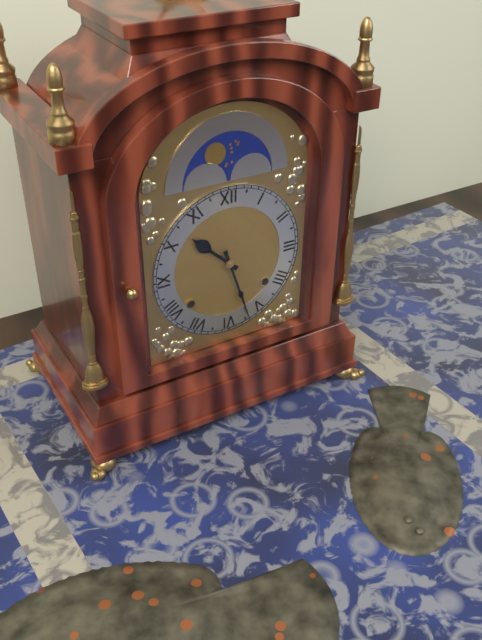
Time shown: **10:27**
